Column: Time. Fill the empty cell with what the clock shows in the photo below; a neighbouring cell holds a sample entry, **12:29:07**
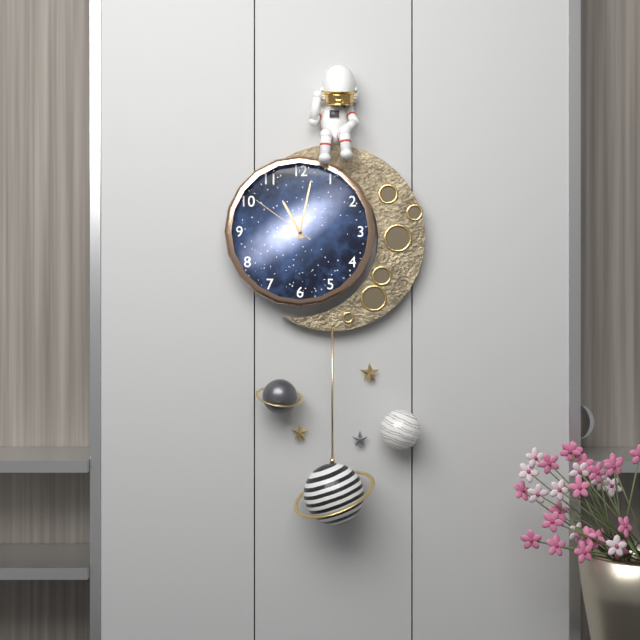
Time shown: **11:02:51**
